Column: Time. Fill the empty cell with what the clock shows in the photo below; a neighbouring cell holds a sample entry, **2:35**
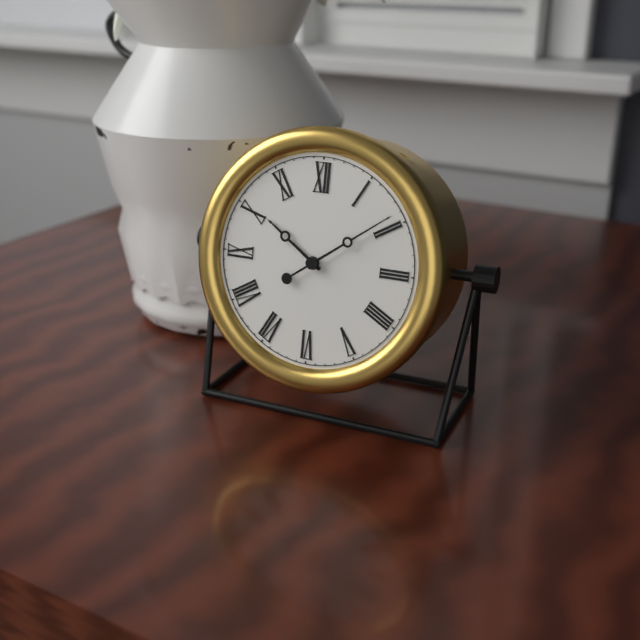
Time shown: **10:09**
